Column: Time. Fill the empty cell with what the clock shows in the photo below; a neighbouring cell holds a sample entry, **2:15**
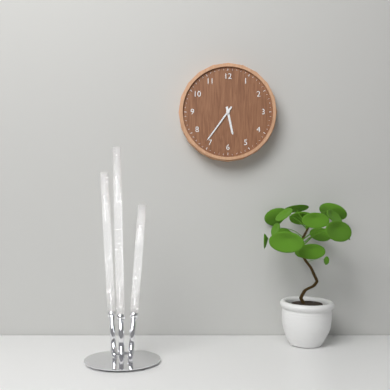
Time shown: **5:36**
